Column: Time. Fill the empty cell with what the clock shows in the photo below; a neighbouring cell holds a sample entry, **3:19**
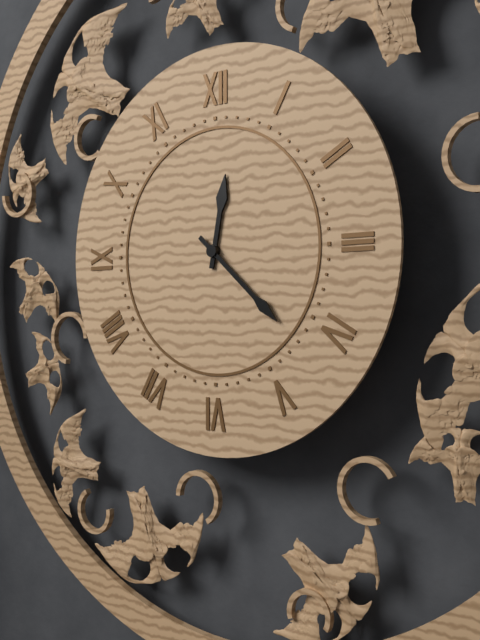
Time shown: **12:22**
